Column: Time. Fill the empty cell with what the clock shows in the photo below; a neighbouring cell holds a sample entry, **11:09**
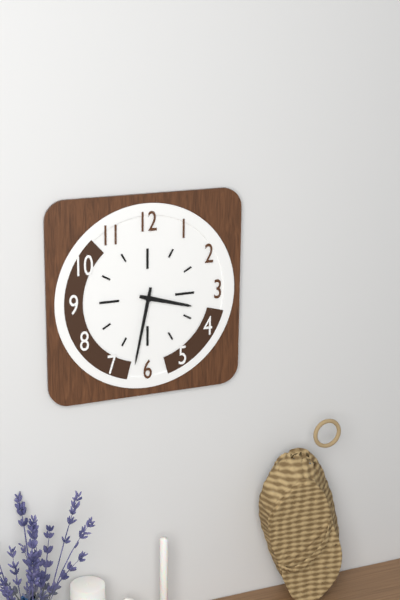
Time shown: **3:32**
